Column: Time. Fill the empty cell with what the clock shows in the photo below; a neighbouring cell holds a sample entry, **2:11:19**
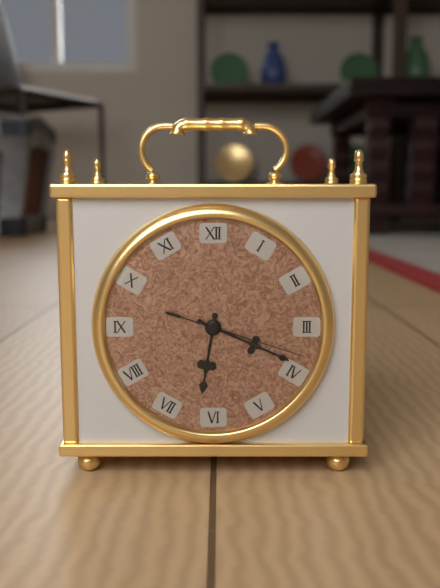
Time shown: **6:19:18**
